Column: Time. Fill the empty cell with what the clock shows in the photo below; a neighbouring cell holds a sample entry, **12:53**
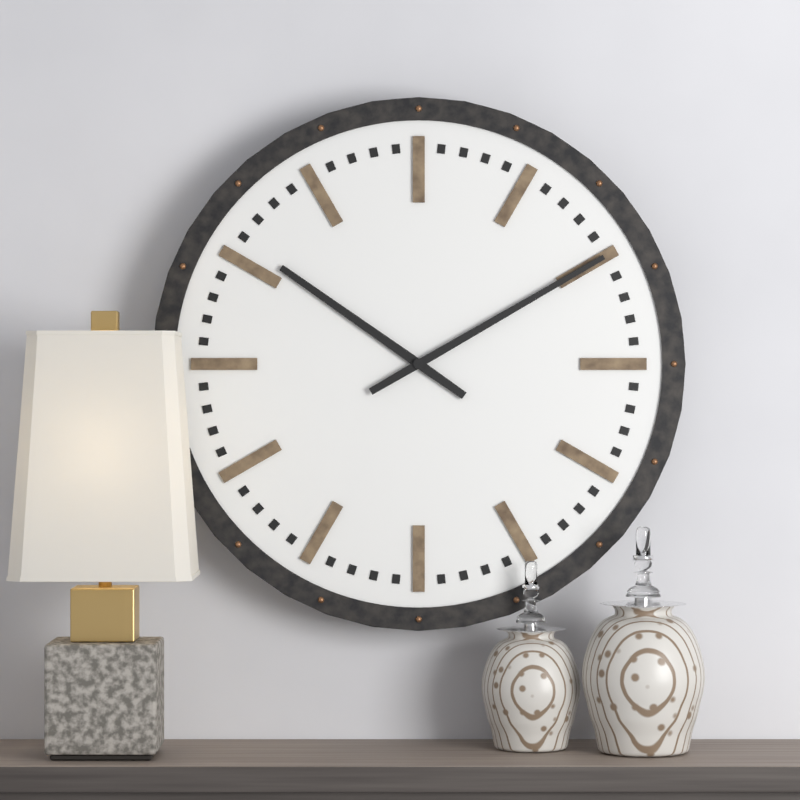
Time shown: **10:10**
